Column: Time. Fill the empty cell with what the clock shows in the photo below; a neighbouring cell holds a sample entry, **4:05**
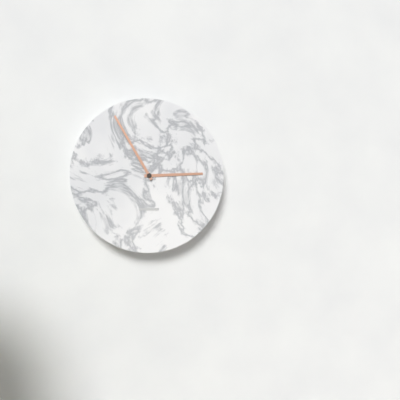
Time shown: **2:55**
